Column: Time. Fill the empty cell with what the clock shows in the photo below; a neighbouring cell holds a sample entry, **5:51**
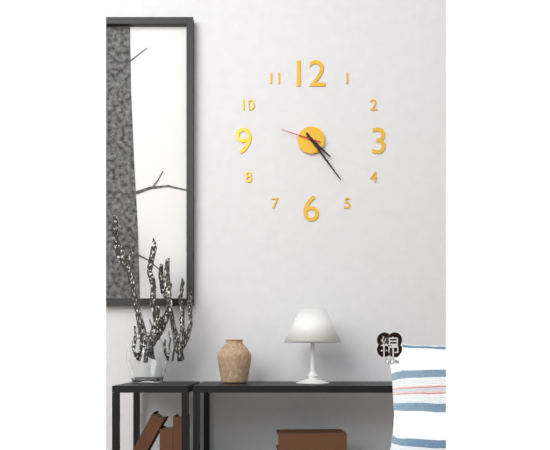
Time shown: **4:24**
